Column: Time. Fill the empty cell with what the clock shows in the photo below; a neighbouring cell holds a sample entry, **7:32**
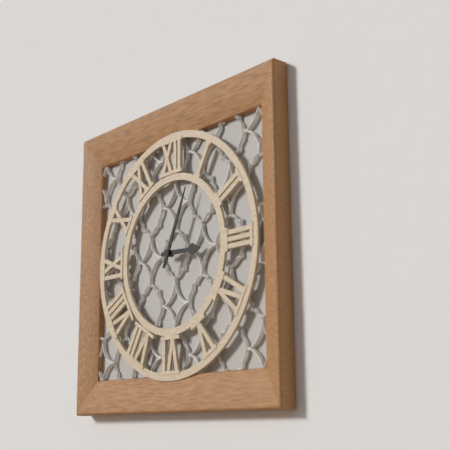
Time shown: **3:04**
